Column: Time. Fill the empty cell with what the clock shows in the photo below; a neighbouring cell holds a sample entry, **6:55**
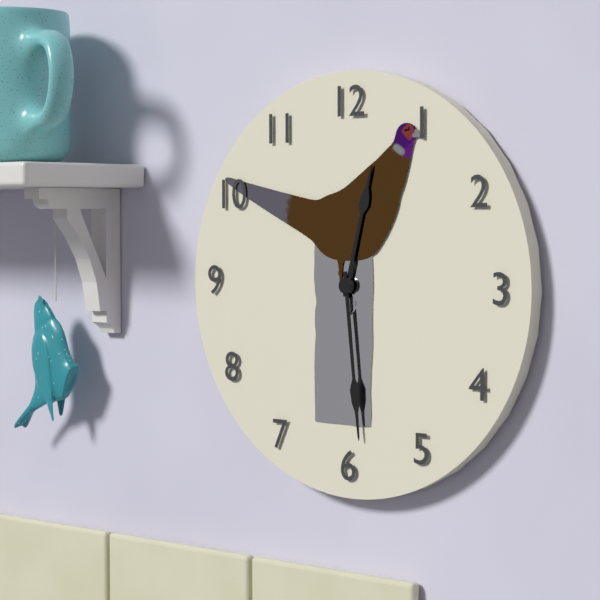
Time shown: **12:29**
